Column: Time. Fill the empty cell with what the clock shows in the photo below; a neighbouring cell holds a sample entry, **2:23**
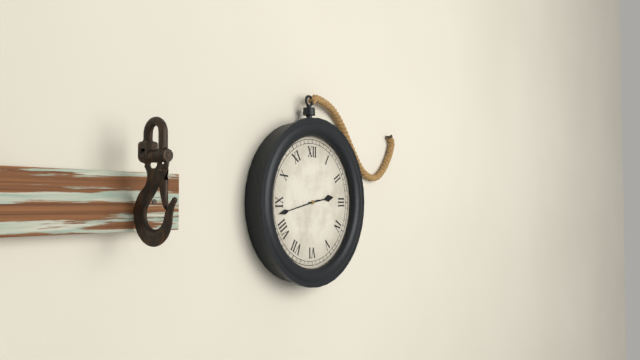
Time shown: **2:43**
